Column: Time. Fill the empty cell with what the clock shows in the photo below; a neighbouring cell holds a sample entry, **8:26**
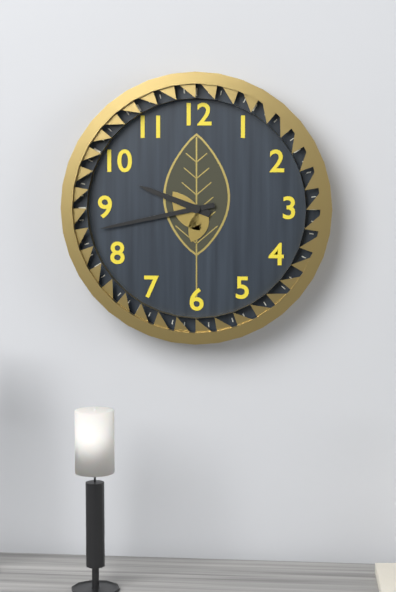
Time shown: **9:43**
